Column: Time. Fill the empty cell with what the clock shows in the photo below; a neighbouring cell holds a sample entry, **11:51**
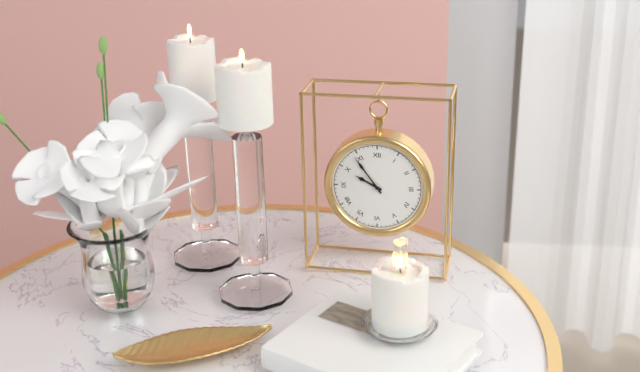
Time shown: **9:54**
